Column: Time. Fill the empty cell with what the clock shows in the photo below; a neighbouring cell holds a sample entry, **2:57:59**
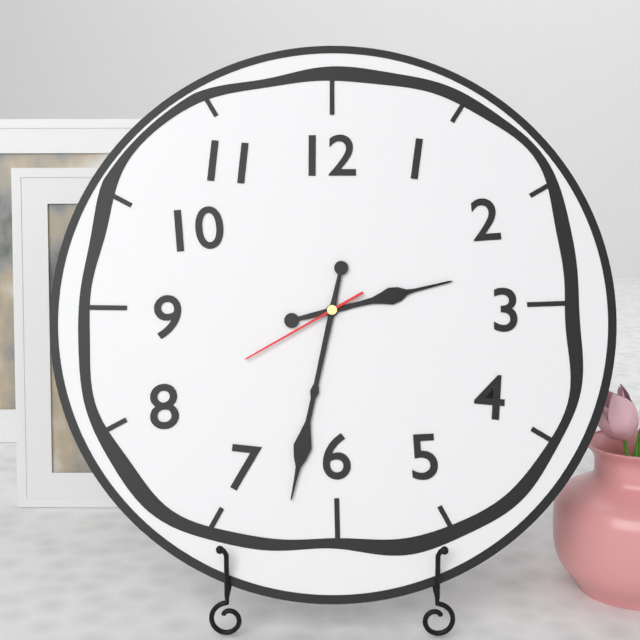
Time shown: **2:32:40**
